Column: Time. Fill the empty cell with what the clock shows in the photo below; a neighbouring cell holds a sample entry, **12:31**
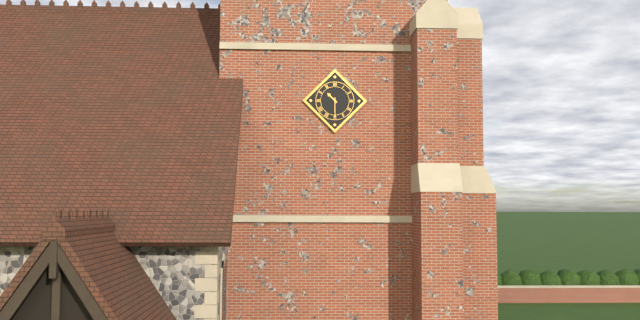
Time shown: **10:30**
